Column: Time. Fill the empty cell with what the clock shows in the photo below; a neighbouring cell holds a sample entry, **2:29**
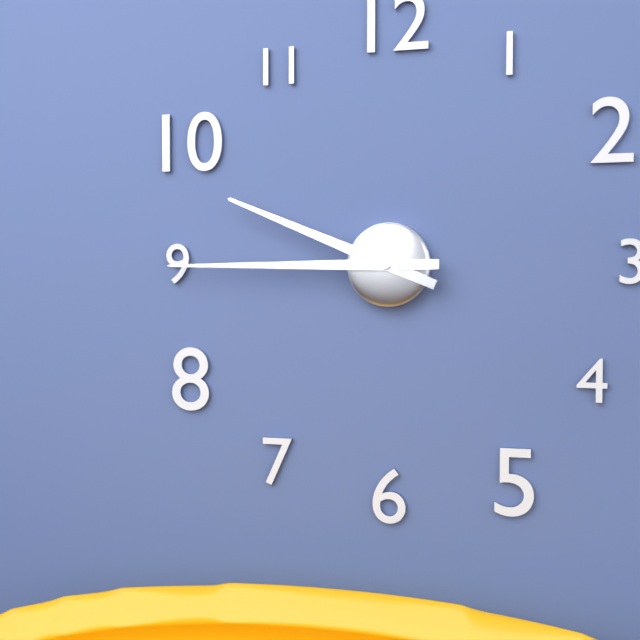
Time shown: **9:45**
